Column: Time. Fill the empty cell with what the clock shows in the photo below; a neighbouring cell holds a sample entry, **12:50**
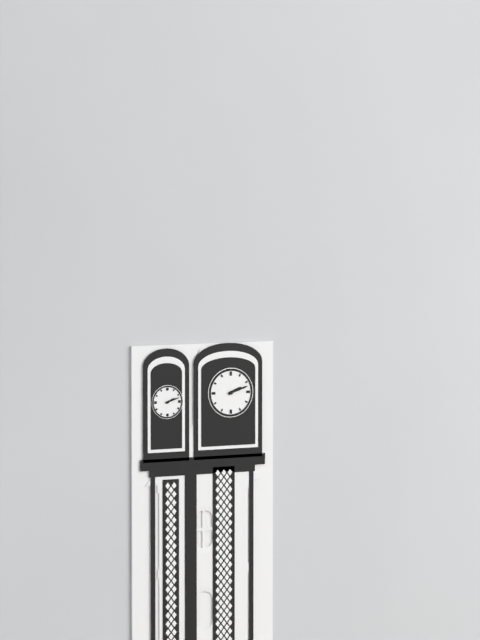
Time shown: **2:12**
